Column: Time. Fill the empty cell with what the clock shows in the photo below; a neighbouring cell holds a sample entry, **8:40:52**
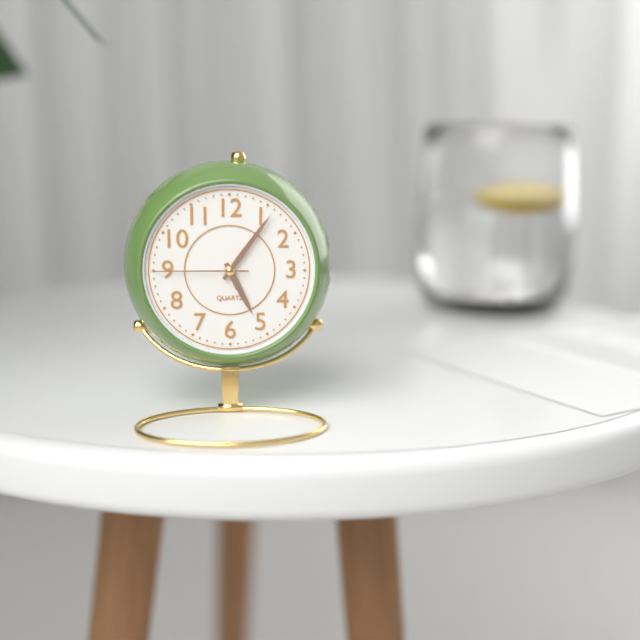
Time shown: **5:06:45**
